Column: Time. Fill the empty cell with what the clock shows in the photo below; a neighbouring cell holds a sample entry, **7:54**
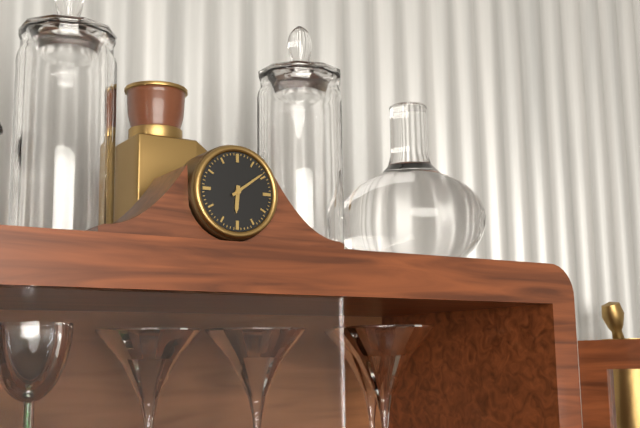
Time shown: **6:09**
